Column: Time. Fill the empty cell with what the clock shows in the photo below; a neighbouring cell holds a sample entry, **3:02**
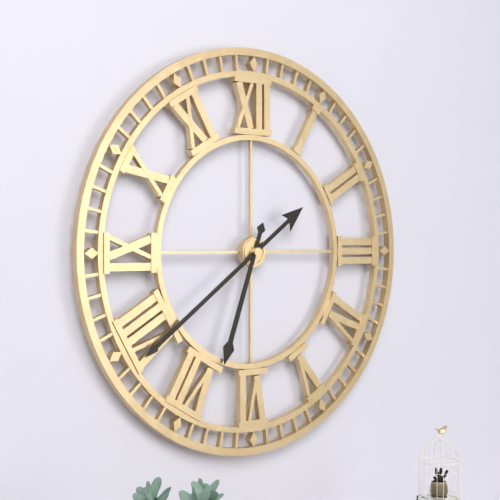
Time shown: **6:39**
